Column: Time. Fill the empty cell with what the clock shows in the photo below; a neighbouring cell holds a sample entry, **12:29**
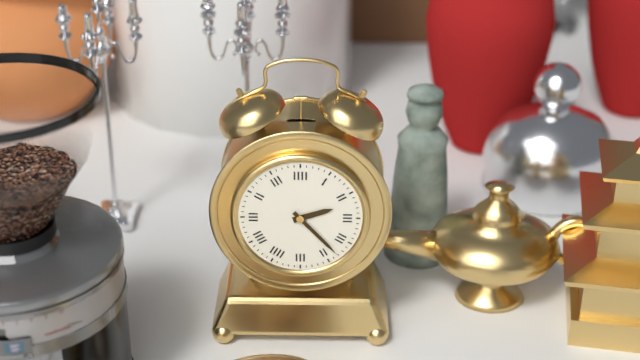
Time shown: **2:23**
